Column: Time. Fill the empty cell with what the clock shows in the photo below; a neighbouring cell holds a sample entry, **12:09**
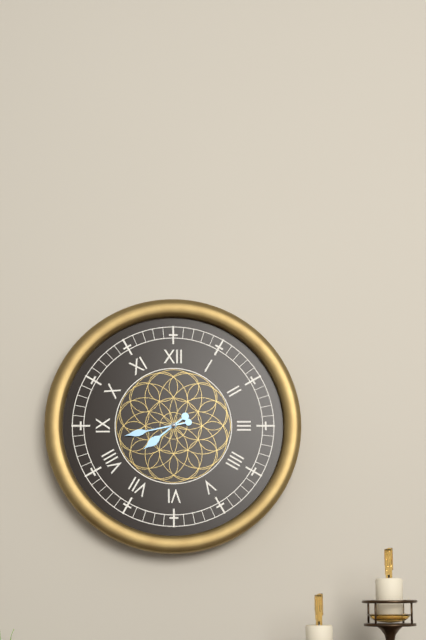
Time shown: **7:43**
